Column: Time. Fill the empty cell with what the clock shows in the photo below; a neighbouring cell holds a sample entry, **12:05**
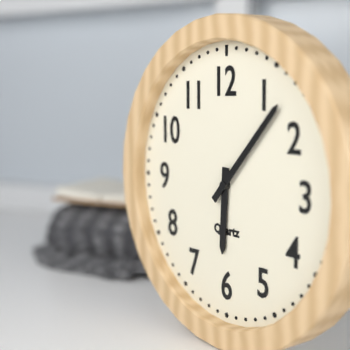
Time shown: **6:07**
